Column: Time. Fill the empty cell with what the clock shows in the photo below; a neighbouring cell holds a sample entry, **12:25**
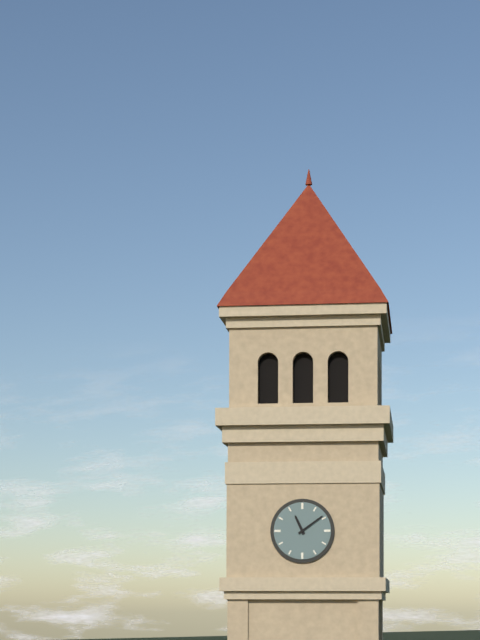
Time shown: **11:09**
